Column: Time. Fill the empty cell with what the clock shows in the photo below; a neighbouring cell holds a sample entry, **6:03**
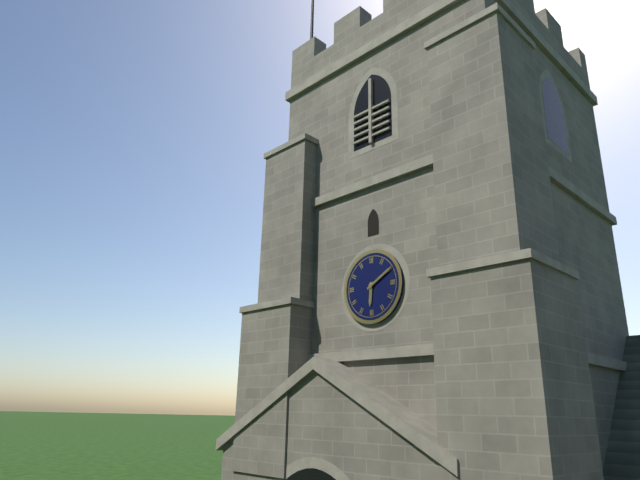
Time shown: **6:10**
